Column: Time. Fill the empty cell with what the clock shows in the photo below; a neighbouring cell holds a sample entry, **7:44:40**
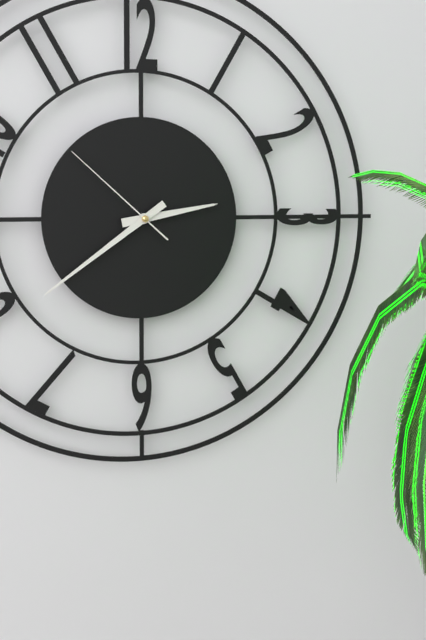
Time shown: **2:39:52**
